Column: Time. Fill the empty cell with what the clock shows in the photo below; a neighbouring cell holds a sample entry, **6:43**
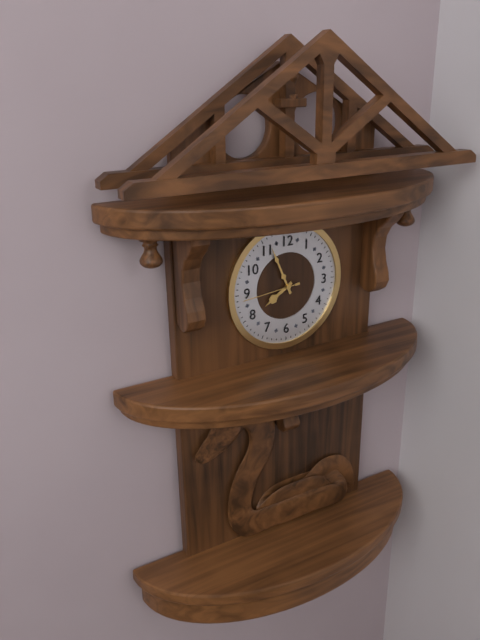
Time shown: **7:56**
